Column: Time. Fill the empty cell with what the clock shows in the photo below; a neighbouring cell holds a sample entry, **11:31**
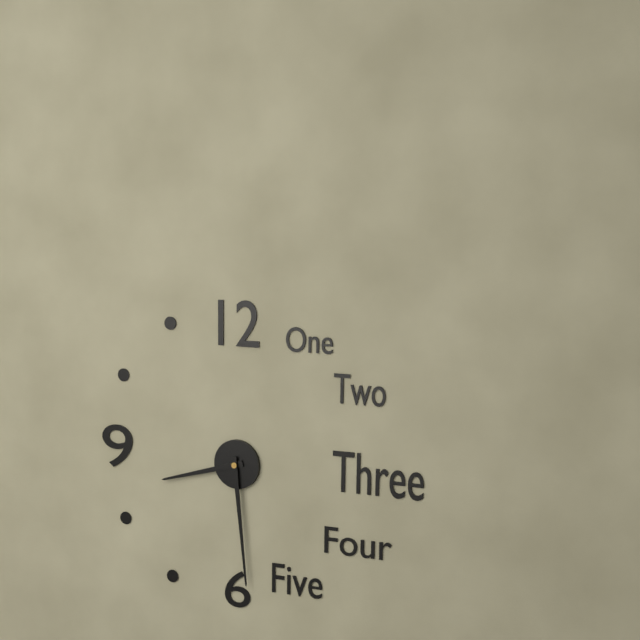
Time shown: **8:29**
